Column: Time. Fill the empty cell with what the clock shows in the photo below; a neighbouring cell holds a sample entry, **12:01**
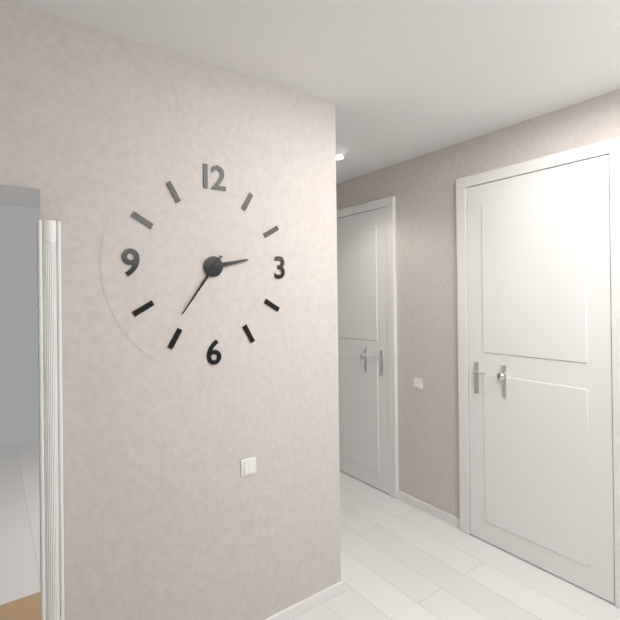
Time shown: **2:36**
